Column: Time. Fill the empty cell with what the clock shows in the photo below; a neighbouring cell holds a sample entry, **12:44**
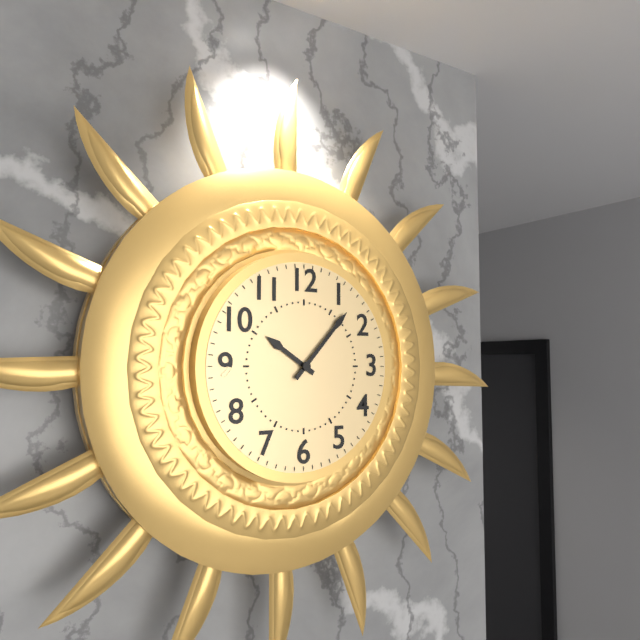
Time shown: **10:07**
